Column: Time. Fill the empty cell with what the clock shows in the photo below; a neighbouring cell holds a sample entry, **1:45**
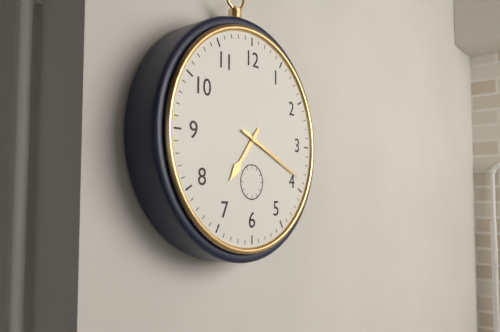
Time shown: **7:19**
